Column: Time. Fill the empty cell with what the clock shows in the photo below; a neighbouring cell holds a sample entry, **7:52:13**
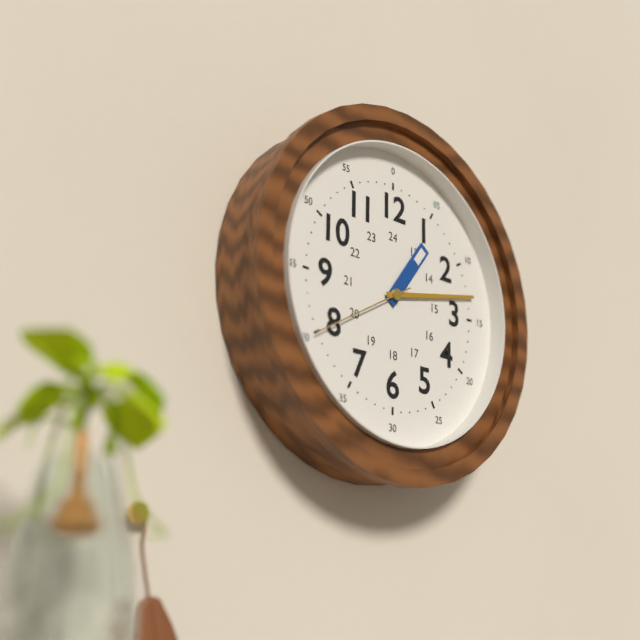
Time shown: **1:13:40**
